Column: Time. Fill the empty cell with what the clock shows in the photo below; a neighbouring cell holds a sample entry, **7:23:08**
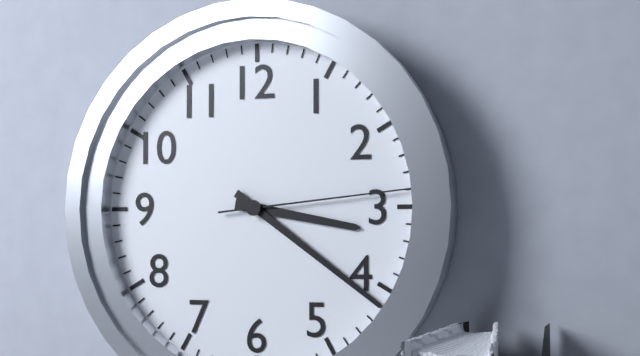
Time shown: **3:21:14**
